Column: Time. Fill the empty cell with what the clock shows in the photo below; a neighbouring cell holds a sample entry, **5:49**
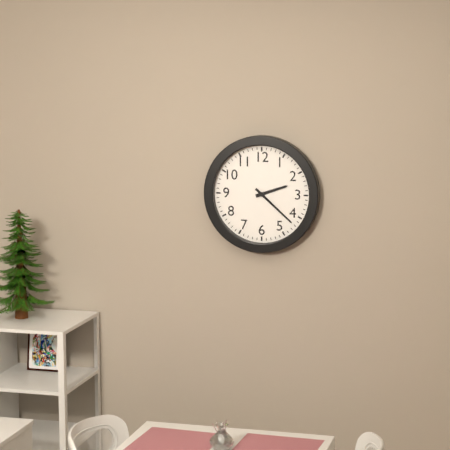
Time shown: **2:22**
